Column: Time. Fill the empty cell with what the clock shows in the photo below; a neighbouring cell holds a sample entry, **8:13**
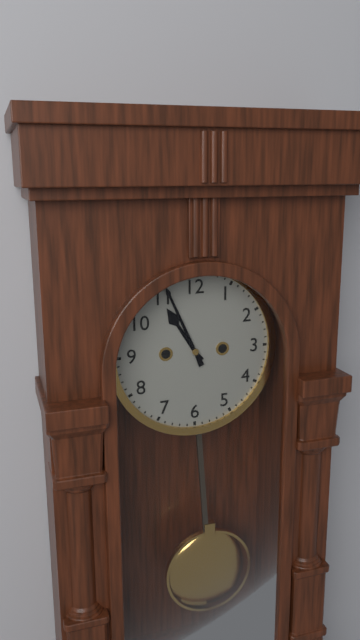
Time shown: **10:56**
